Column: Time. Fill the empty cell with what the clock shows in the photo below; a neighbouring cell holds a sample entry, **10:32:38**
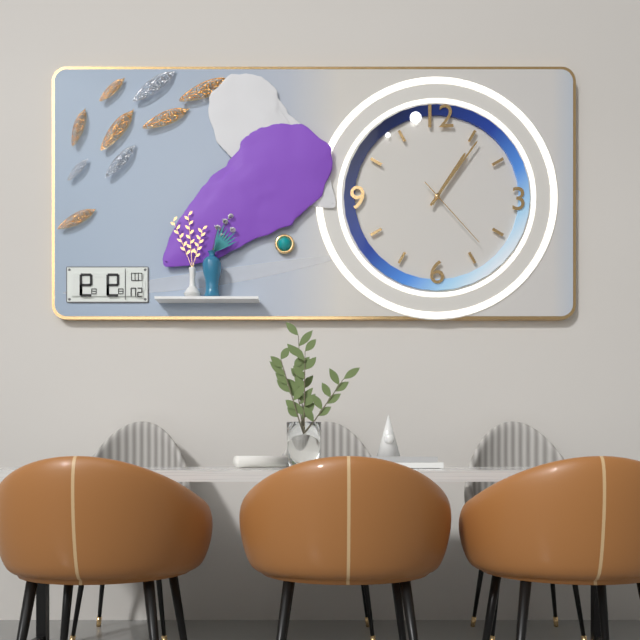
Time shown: **1:06:23**
